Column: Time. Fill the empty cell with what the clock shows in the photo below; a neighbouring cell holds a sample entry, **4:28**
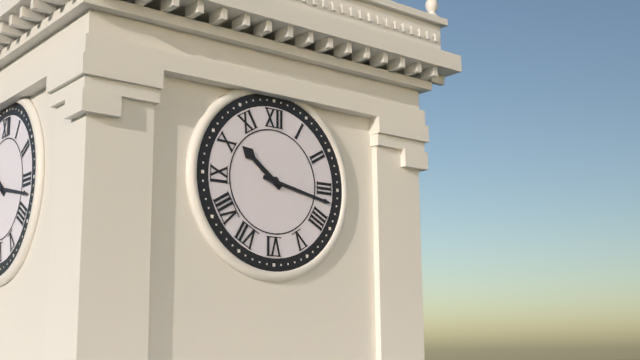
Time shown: **10:17**
